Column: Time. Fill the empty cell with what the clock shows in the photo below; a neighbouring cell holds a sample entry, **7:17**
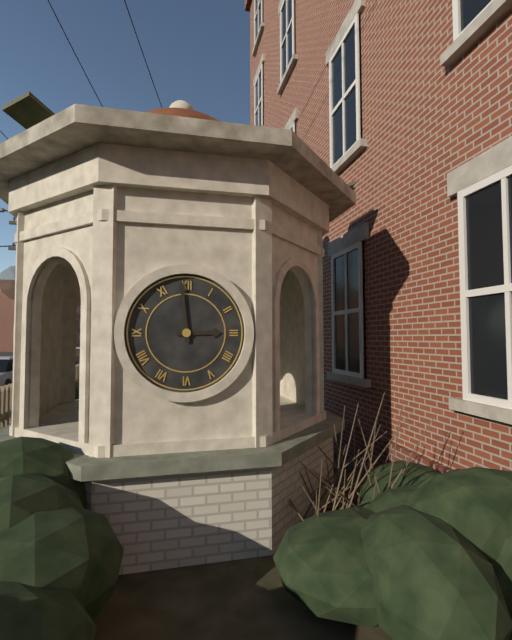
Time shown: **2:59**
